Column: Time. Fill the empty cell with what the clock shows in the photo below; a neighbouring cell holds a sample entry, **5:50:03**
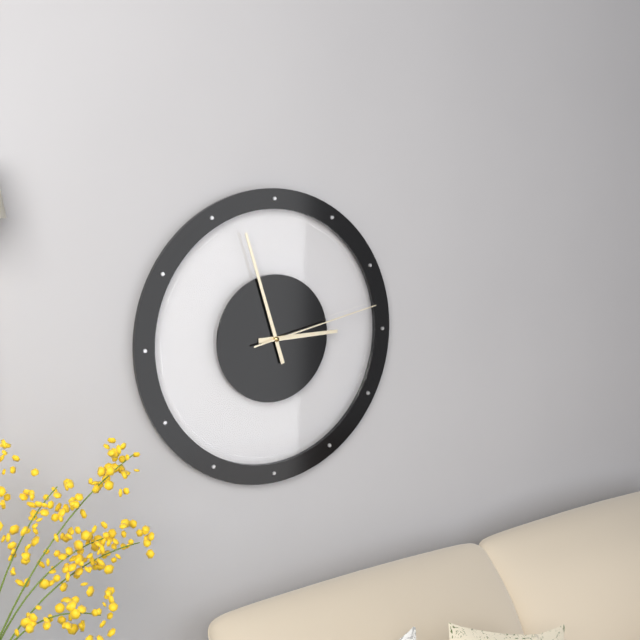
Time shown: **2:57:13**
